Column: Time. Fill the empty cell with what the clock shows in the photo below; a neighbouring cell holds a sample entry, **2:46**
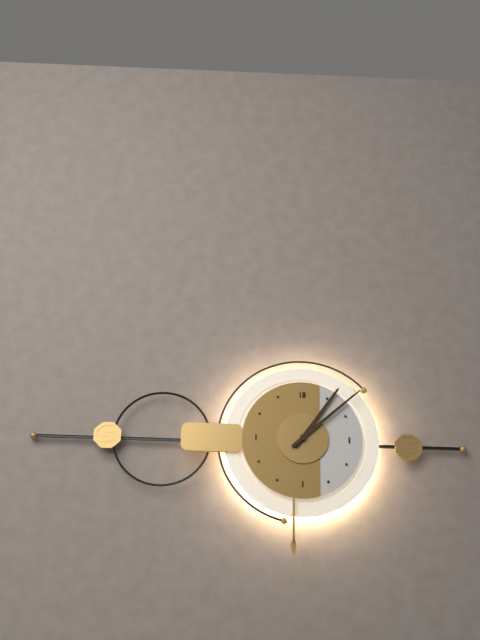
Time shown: **1:08**
